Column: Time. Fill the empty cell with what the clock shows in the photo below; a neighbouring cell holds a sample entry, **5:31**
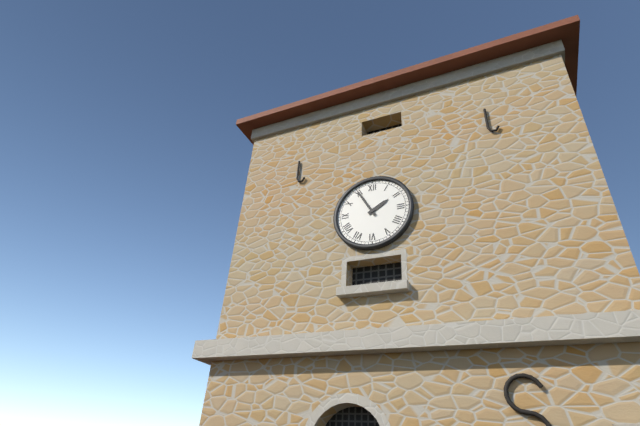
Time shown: **1:55**
